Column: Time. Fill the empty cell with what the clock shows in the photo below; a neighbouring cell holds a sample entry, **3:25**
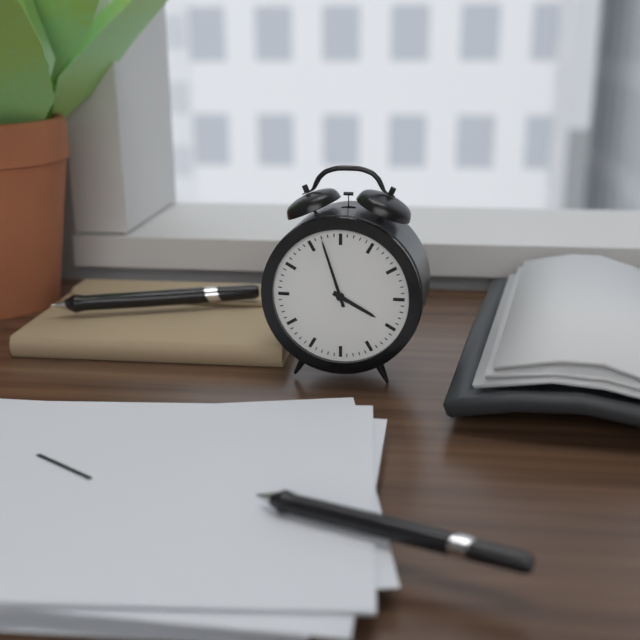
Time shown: **3:57**
